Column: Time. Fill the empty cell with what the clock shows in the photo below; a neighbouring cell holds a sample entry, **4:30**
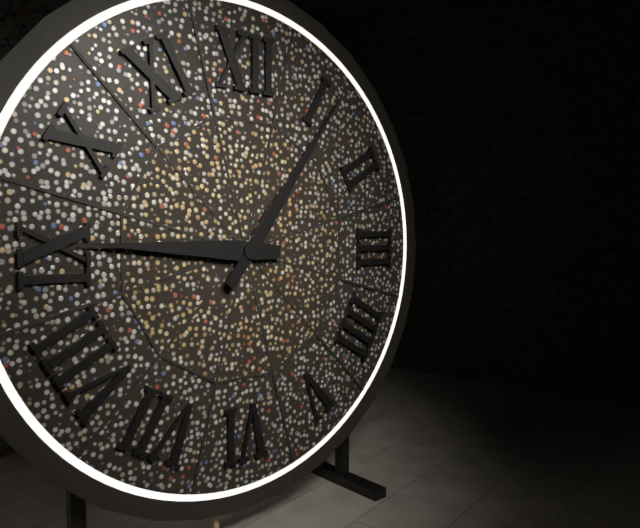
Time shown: **9:06**
